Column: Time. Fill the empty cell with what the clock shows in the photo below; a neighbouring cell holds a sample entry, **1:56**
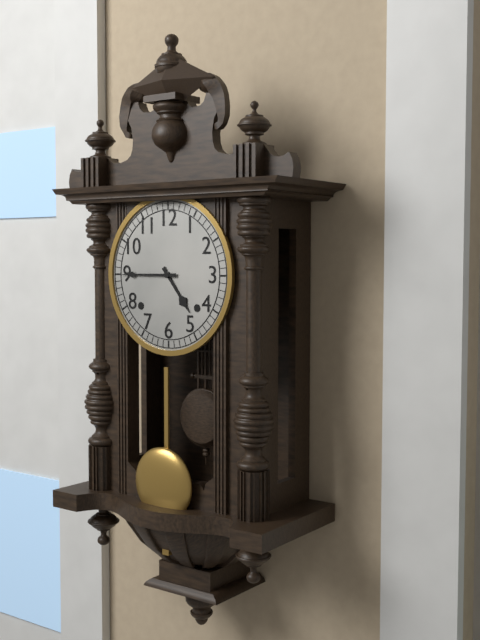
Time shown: **4:45**
